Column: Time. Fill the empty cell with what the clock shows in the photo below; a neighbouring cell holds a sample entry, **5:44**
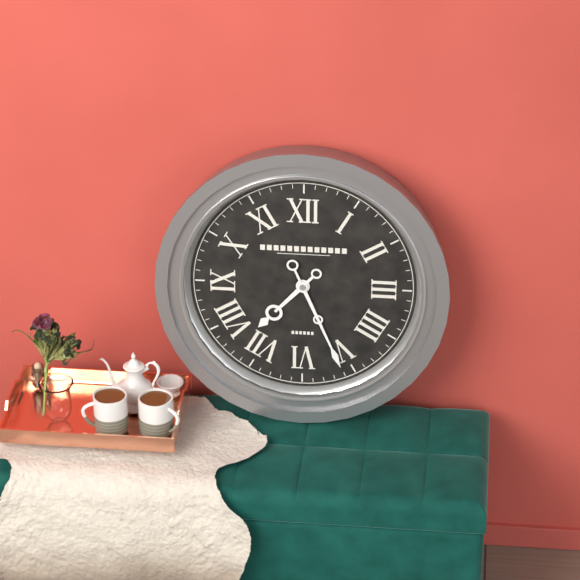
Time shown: **7:26**
